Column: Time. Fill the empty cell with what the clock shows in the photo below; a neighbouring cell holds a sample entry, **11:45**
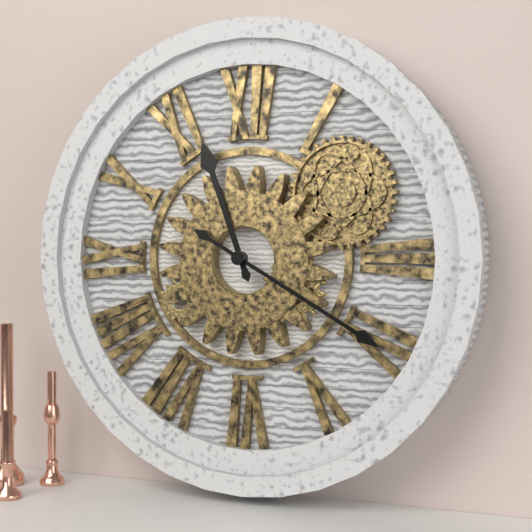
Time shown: **11:20**
